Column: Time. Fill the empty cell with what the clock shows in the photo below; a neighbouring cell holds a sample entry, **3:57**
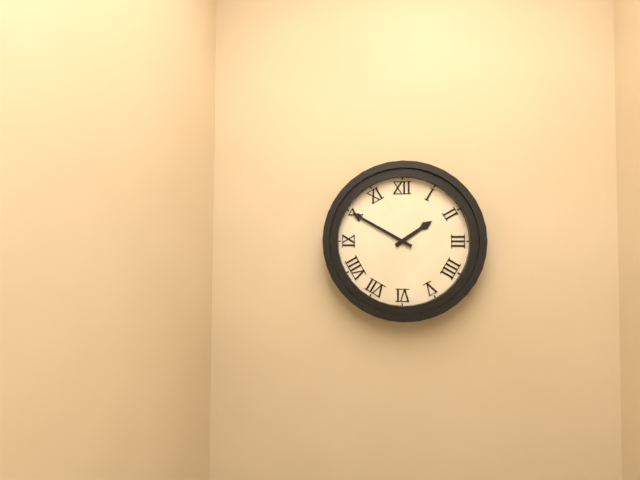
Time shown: **1:50**
